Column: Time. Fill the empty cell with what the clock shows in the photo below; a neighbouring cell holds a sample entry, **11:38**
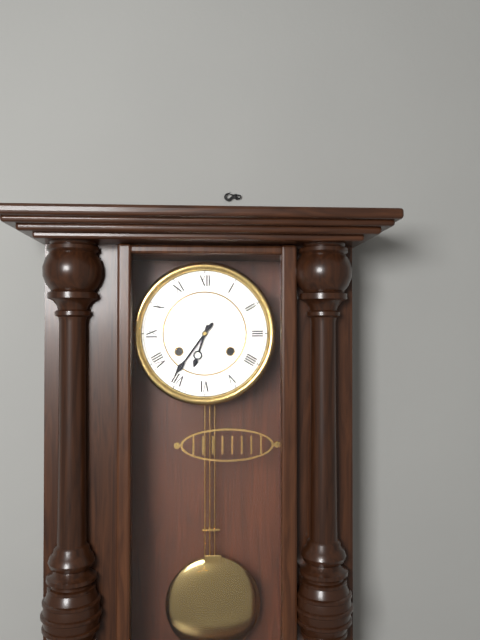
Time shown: **6:36**
